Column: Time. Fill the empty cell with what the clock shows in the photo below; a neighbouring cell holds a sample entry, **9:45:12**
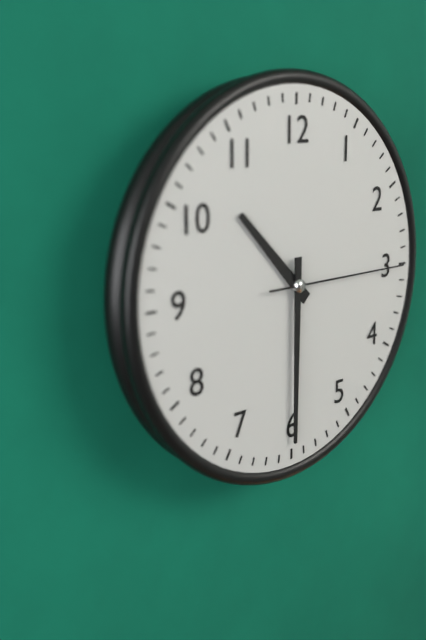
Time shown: **10:30:15**
